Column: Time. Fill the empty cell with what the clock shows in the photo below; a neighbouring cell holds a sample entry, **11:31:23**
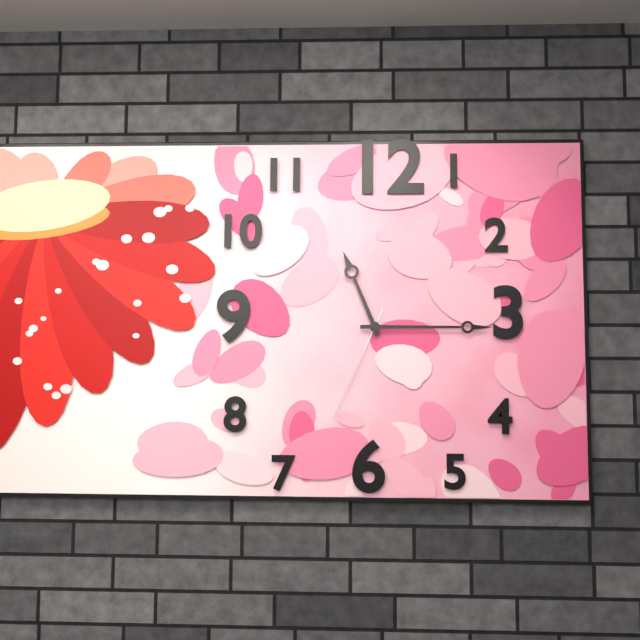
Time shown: **11:15:34**
